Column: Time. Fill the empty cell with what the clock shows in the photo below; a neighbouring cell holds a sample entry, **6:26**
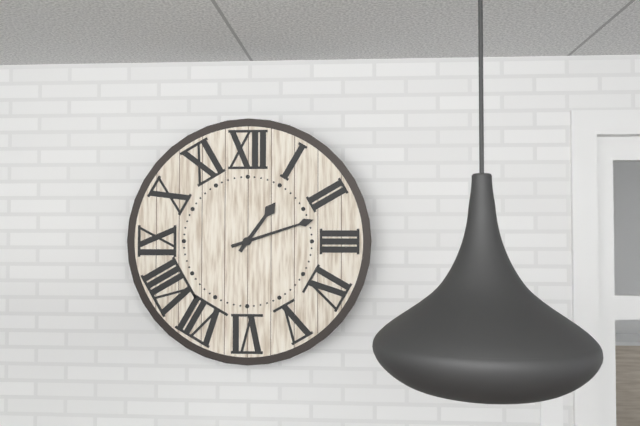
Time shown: **1:12**
